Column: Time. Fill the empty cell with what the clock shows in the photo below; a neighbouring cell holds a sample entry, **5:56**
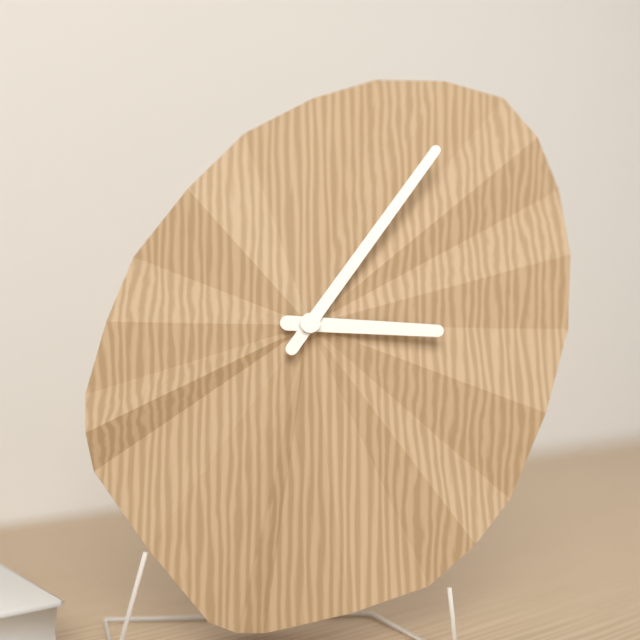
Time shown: **3:06**
